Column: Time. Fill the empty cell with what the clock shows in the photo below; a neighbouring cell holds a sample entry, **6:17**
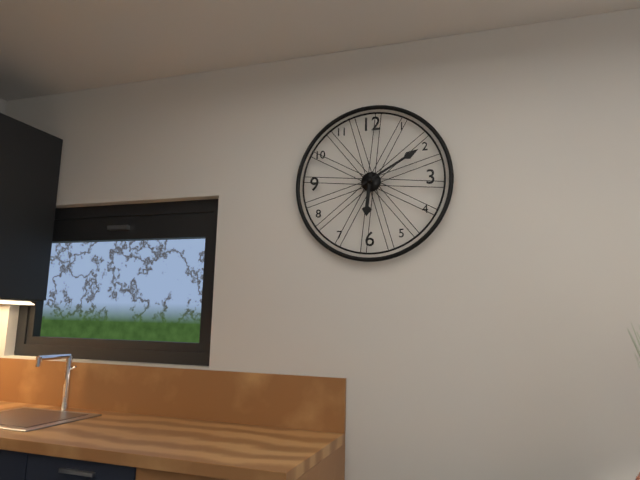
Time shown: **6:10**
